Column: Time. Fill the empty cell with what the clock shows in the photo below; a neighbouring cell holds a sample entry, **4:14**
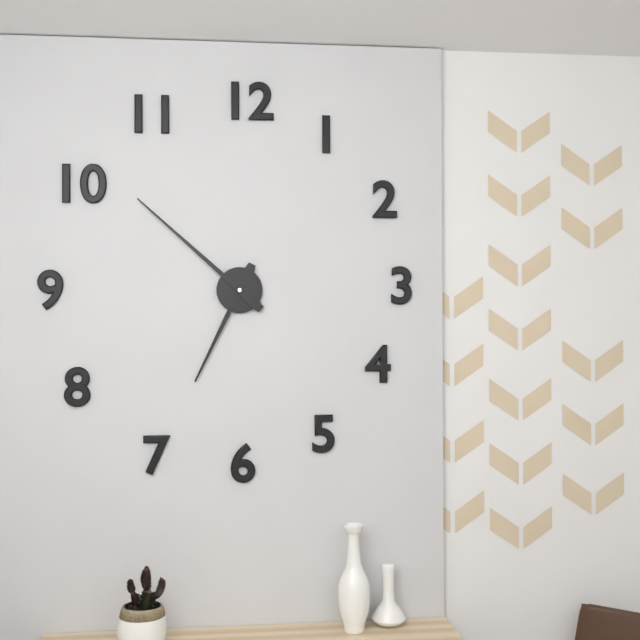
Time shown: **6:52**
